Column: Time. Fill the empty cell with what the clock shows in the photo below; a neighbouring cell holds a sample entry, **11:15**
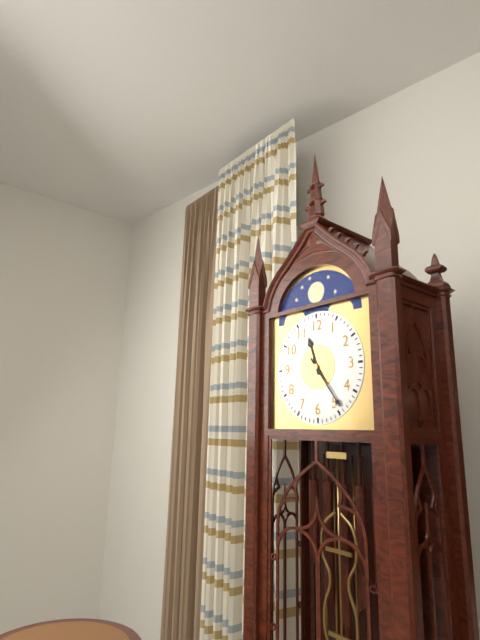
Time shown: **11:24**
